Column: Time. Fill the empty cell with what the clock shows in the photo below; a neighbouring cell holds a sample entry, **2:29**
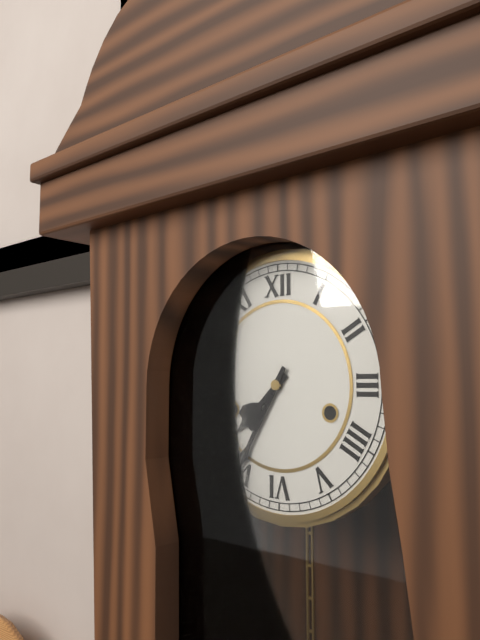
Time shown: **7:35**
